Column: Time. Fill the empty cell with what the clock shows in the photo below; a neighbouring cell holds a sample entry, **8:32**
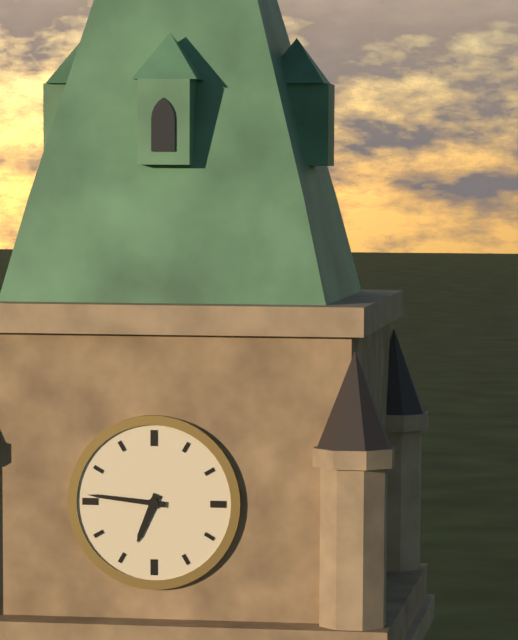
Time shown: **6:46**
